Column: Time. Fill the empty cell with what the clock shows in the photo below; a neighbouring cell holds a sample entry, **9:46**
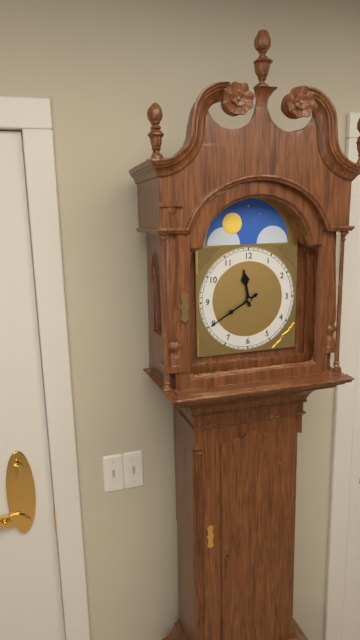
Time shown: **11:40**
